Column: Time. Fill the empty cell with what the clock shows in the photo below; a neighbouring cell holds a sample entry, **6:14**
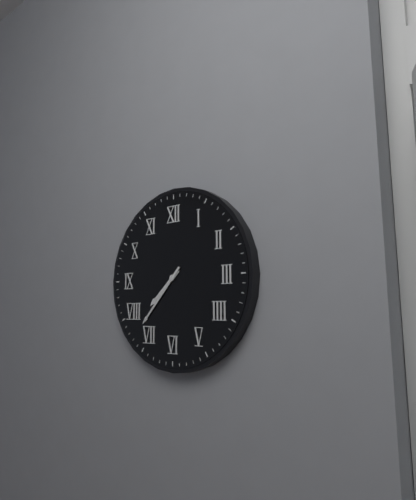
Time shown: **7:37**
